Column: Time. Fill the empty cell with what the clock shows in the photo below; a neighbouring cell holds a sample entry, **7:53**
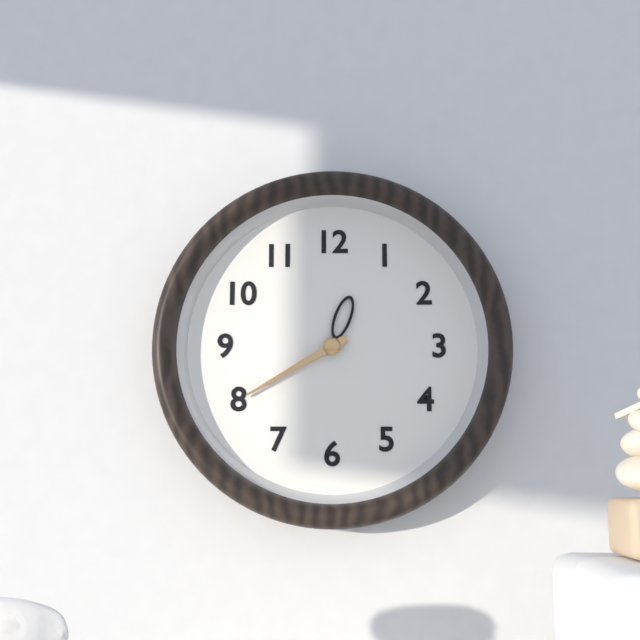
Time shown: **12:40**
